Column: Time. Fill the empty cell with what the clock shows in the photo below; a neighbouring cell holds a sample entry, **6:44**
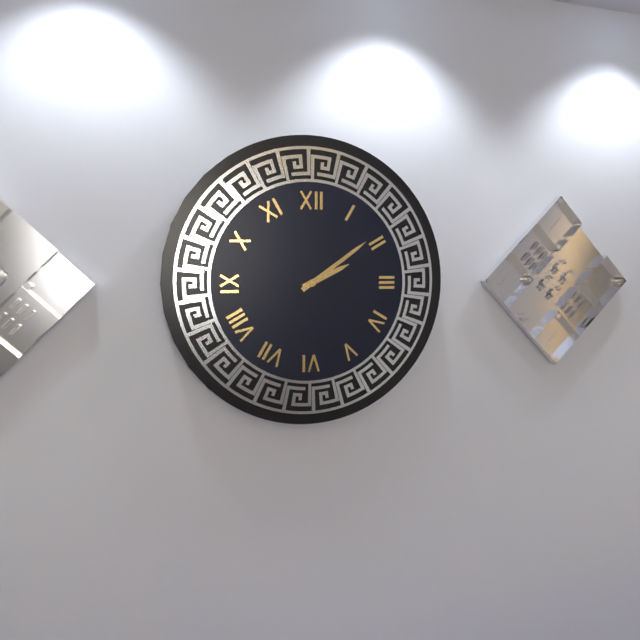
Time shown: **2:09**
